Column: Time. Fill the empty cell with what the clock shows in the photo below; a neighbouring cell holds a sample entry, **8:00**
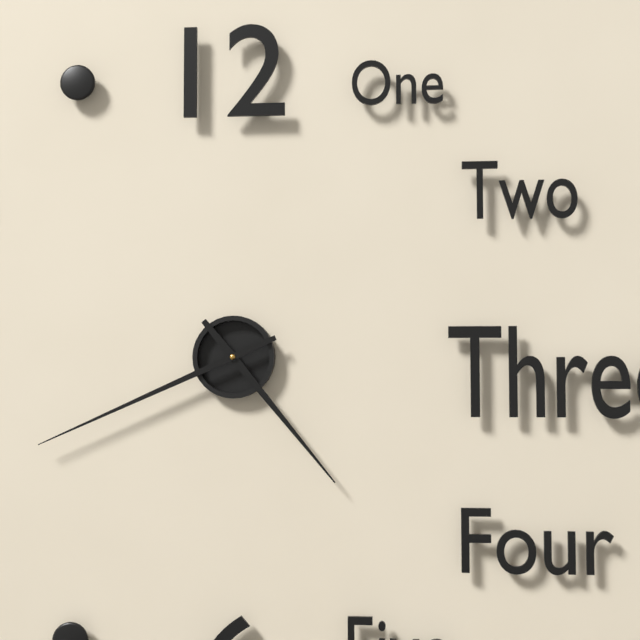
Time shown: **4:41**
